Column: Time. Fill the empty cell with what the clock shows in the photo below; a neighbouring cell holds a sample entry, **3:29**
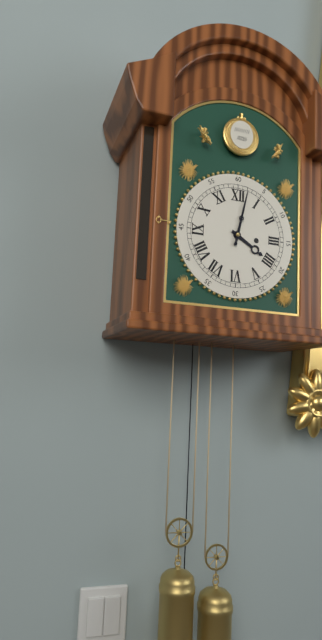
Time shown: **4:02**
